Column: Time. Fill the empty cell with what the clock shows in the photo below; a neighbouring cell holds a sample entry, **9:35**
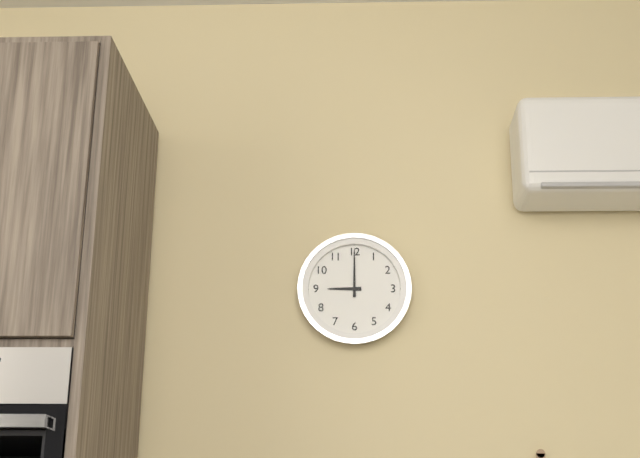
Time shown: **9:00**
